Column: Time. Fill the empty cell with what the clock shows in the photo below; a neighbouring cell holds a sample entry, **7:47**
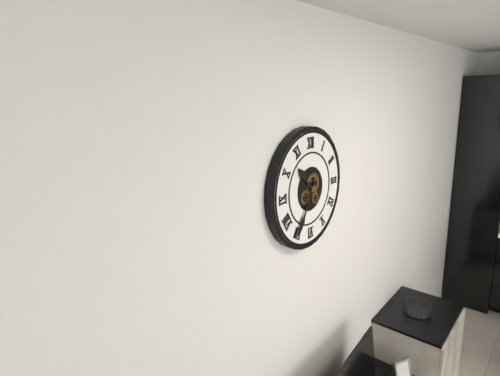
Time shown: **10:35**
